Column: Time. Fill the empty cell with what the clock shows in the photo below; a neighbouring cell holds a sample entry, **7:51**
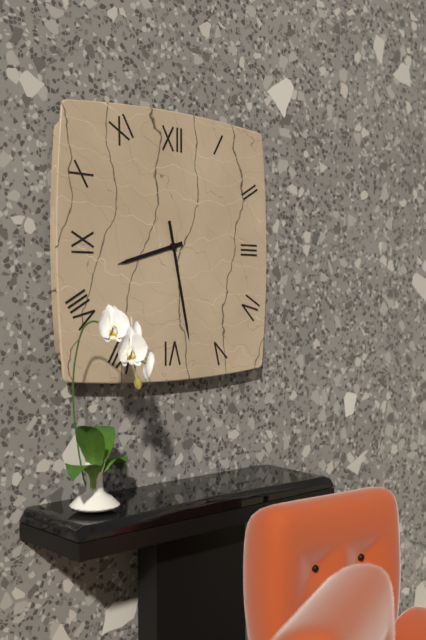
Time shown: **8:28**
